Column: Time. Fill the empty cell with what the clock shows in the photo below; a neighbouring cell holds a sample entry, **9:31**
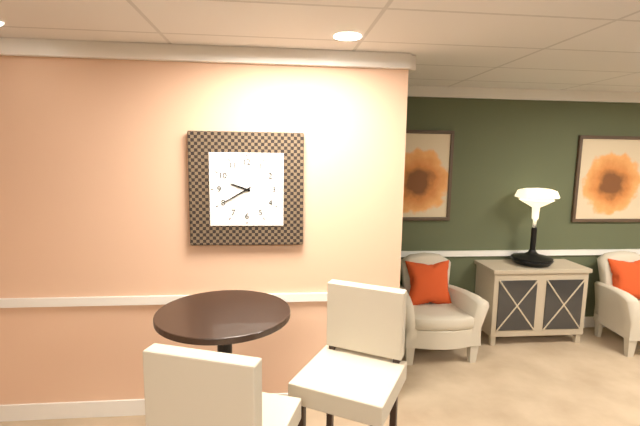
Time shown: **9:40**
